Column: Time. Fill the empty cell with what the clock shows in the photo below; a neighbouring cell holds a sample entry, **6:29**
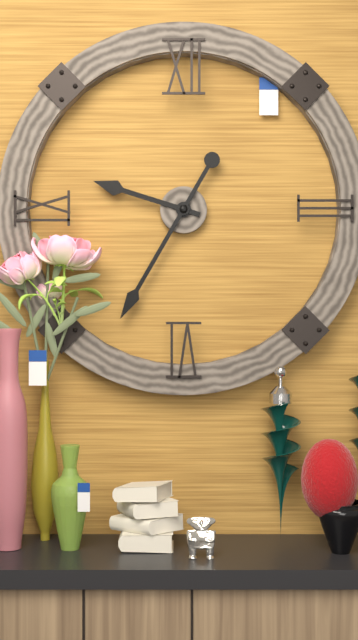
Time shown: **9:35**
